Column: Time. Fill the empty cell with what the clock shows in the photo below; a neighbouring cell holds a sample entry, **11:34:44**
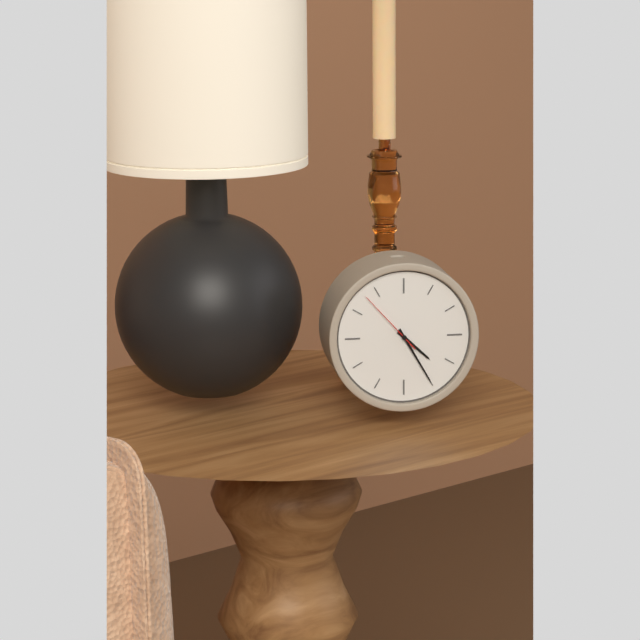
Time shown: **4:25:53**
